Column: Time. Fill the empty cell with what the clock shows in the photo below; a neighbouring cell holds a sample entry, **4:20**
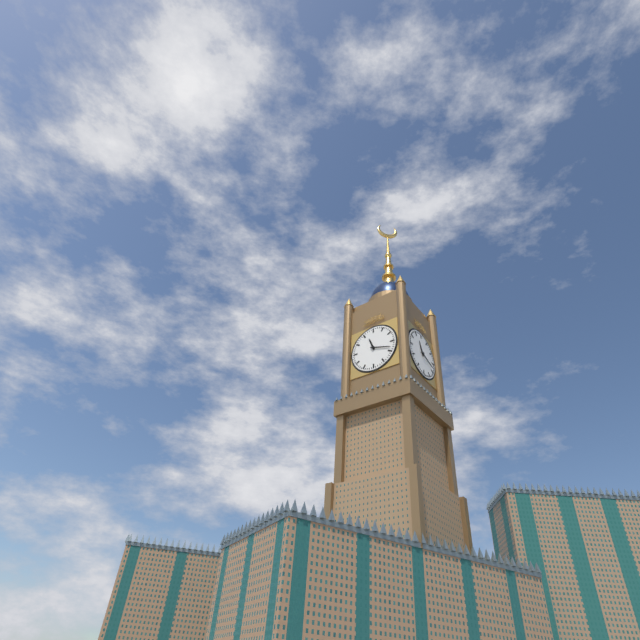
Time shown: **11:18**
